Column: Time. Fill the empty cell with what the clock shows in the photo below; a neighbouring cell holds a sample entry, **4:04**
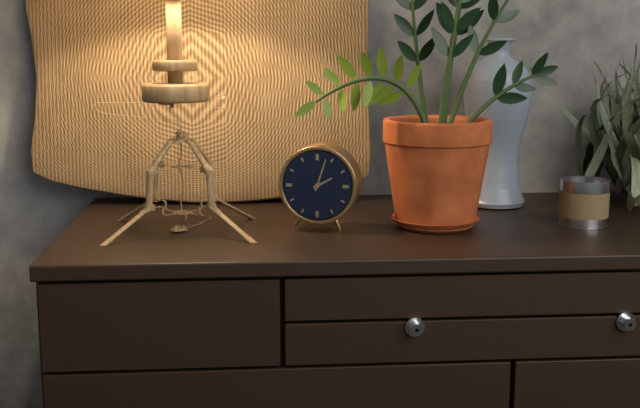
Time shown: **2:03**
